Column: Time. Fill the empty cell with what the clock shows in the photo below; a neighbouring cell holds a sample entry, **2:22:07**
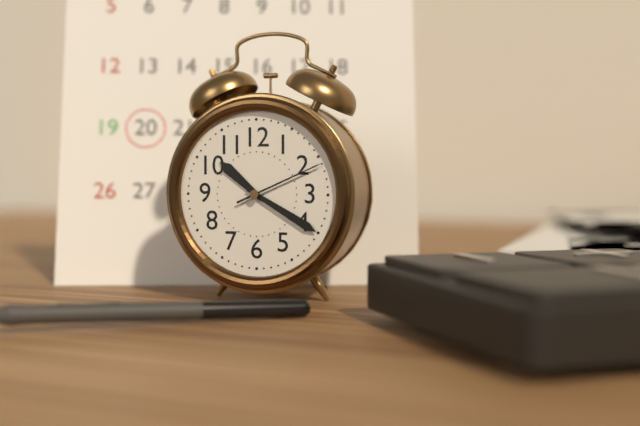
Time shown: **10:20:11**
